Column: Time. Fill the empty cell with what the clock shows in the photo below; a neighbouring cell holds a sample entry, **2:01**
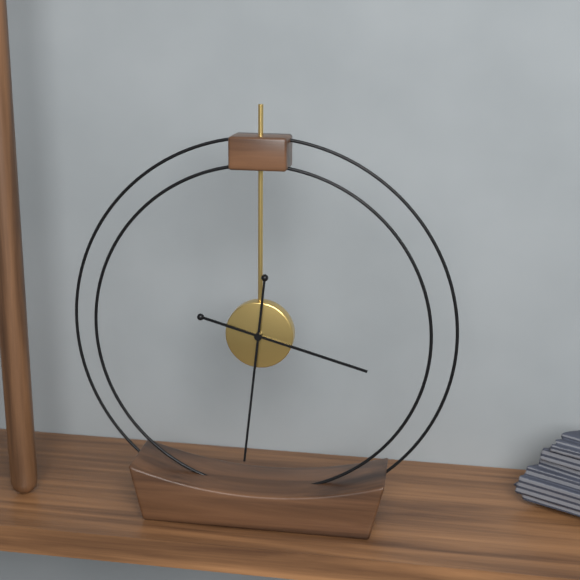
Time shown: **3:31**
